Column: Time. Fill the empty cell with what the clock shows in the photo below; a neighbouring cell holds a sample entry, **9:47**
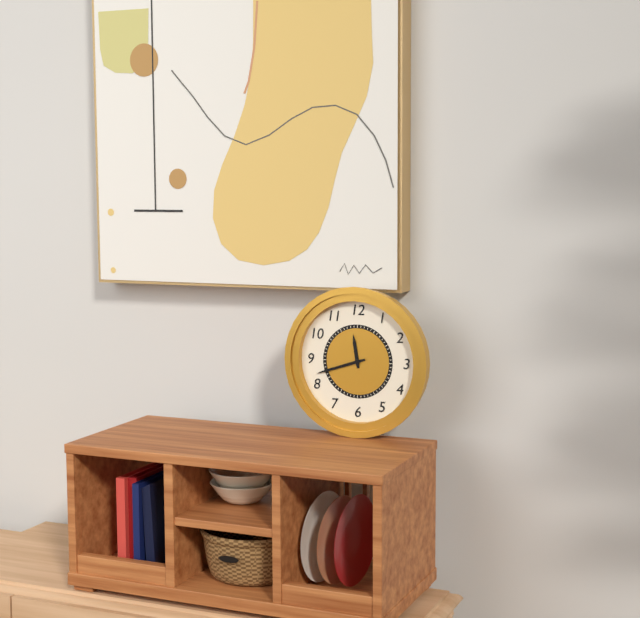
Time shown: **11:42**
